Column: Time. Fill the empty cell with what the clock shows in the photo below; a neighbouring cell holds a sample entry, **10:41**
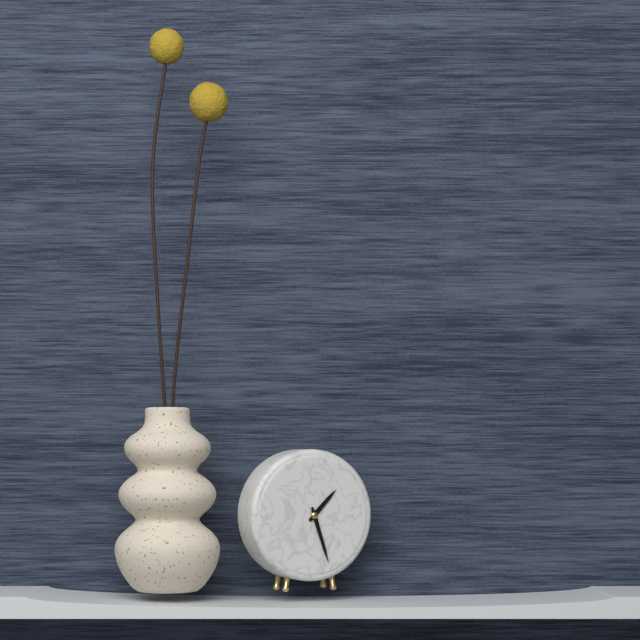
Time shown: **1:27**
